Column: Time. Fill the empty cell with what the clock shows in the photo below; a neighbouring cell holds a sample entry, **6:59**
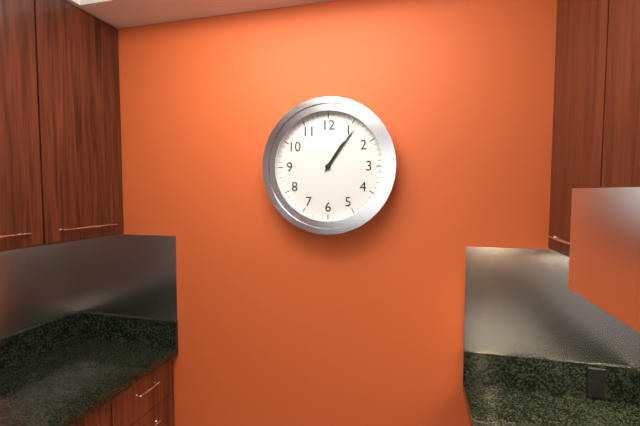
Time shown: **1:06**
